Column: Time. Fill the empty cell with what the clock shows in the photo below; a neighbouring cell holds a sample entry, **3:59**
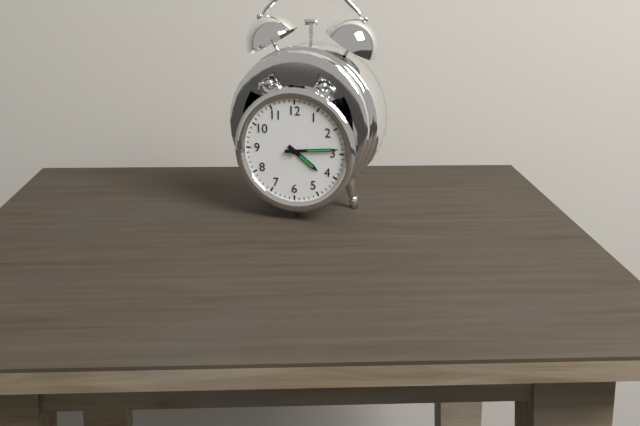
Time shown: **4:14**
